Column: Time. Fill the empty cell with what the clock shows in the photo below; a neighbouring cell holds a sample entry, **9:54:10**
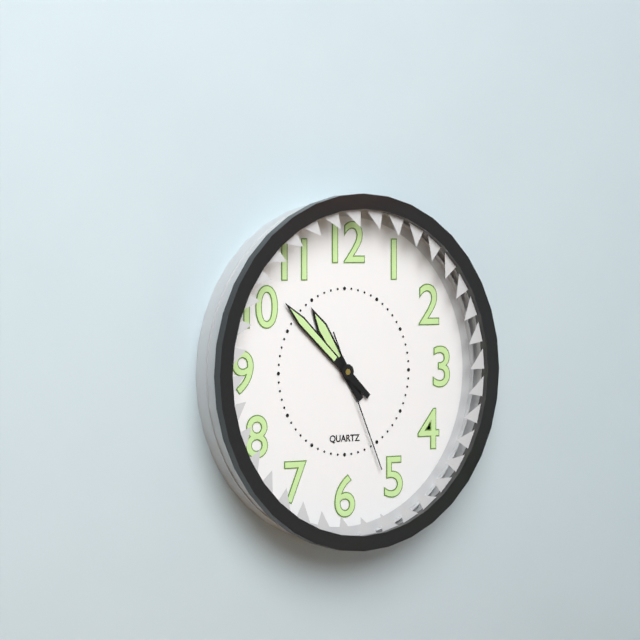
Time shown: **10:52:26**
